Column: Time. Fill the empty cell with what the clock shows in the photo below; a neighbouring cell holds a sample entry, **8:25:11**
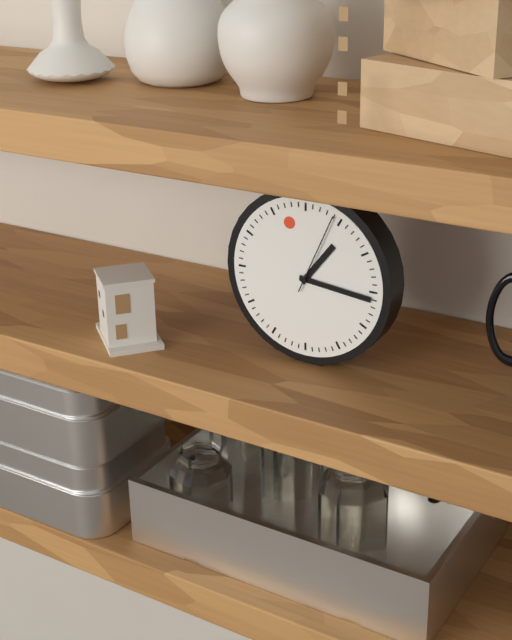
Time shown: **1:16:04**
